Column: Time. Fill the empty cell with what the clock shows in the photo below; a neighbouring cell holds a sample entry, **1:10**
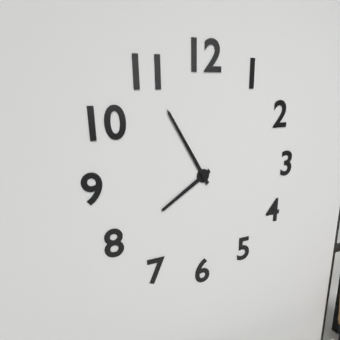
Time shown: **7:55**
